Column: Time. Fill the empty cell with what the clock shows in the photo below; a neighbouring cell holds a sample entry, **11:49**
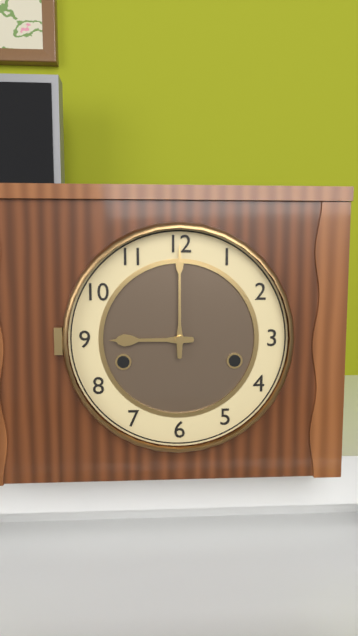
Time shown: **9:00**
